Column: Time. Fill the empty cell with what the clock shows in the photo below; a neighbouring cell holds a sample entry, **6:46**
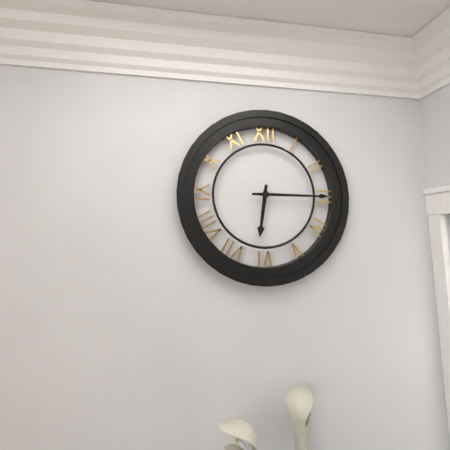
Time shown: **6:15**
